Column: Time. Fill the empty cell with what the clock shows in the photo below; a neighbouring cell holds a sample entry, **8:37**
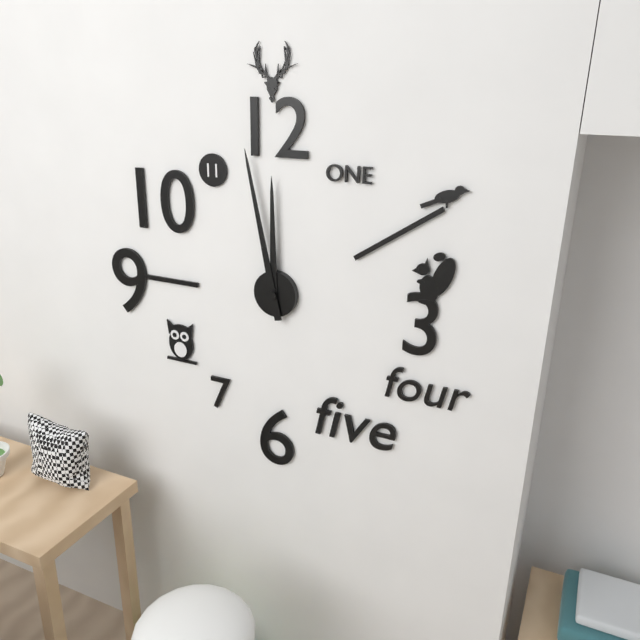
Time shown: **11:58**
